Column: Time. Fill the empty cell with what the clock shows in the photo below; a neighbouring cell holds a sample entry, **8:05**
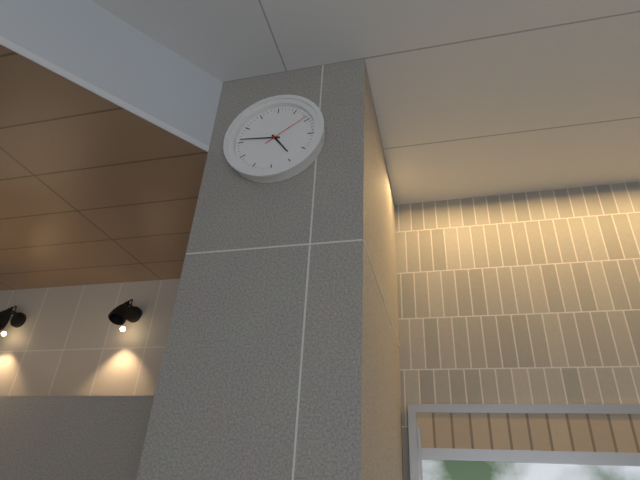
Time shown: **4:46**
